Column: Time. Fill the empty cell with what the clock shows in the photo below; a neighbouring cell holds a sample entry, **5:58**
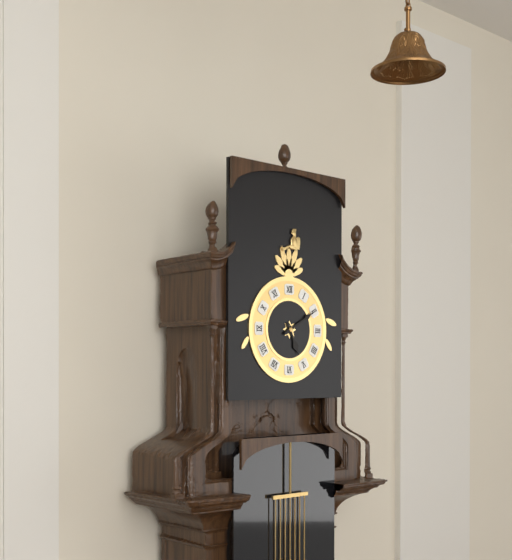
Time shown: **5:10**
